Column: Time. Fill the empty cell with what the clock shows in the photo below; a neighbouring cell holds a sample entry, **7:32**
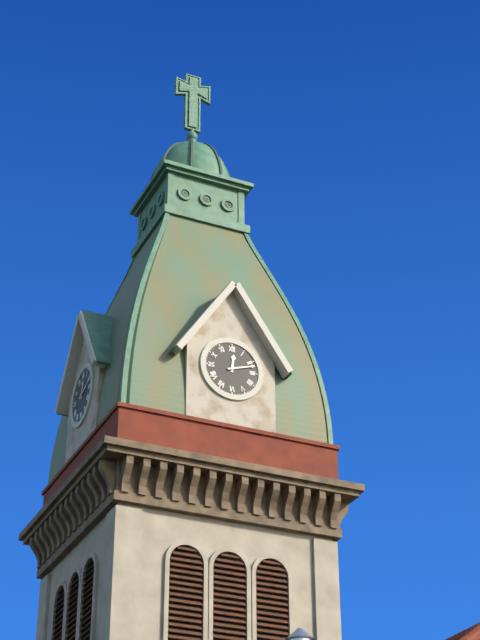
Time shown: **12:12**
